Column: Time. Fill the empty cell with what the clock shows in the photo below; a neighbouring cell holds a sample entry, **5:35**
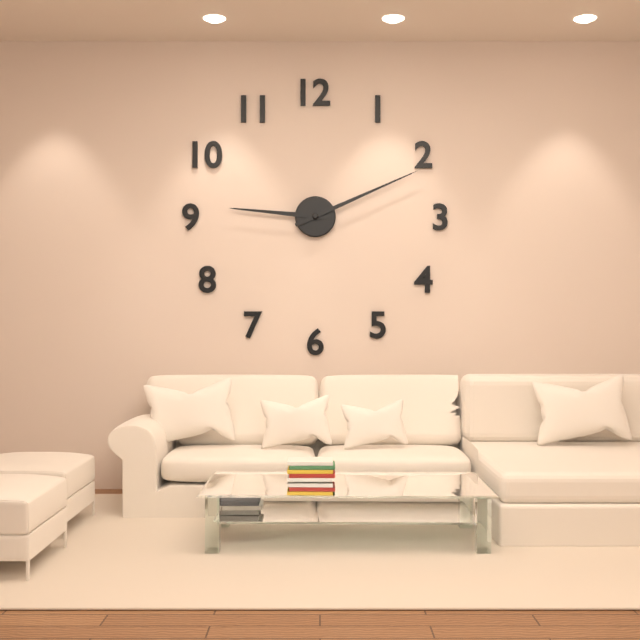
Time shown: **9:11**
